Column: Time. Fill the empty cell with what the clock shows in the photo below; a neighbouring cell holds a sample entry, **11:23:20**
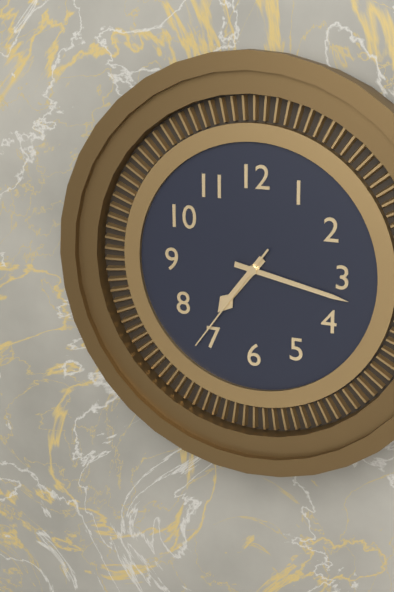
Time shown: **7:17:36**
